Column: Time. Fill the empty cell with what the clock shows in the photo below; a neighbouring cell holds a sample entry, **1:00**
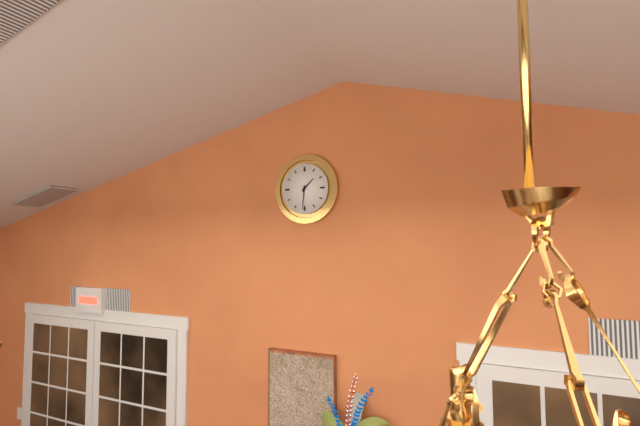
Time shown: **1:31**
